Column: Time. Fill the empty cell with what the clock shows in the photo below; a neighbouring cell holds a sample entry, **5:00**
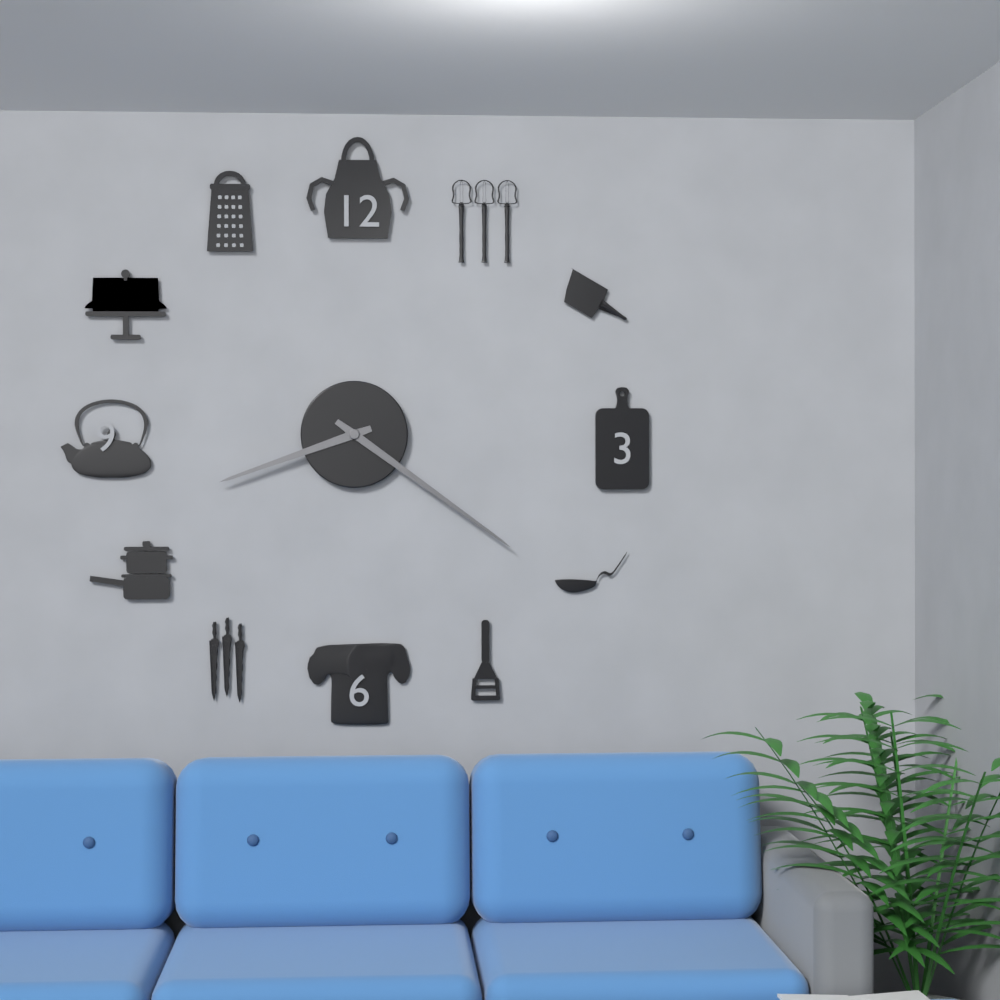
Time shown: **8:21**
